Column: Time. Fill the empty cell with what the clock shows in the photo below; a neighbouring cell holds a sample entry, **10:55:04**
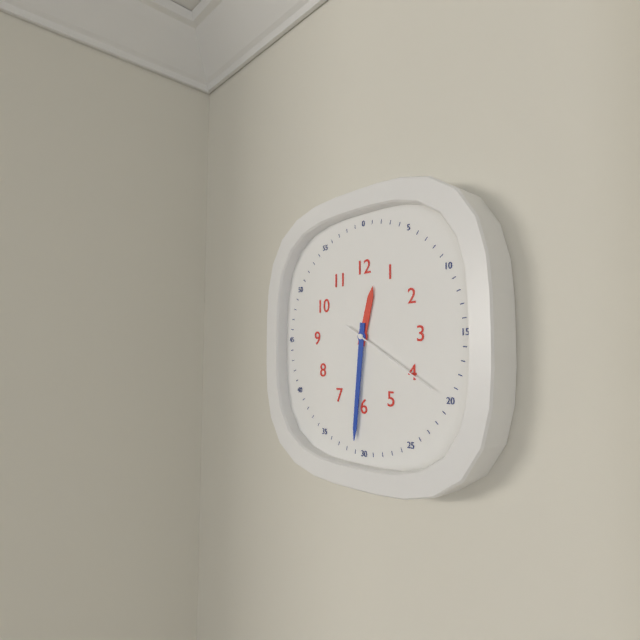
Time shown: **12:31:20**
